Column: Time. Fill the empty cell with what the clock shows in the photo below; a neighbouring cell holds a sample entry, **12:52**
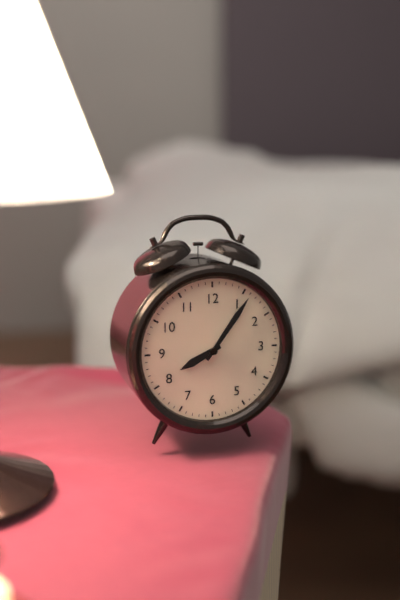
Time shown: **8:06**
